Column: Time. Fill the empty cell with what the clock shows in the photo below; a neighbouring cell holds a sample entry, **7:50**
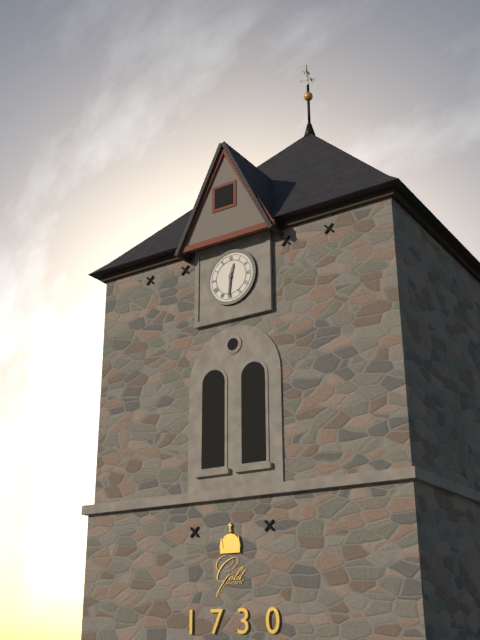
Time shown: **12:31**
